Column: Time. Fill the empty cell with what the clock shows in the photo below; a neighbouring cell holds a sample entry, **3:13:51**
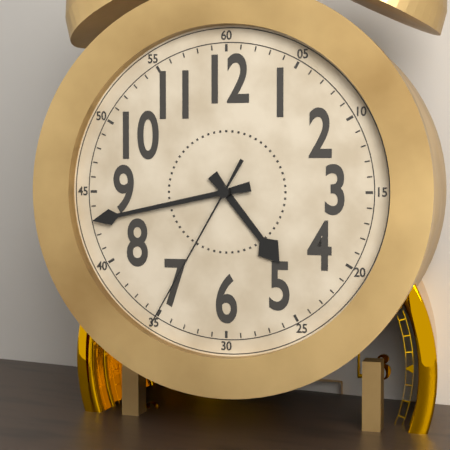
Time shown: **4:43:35**
